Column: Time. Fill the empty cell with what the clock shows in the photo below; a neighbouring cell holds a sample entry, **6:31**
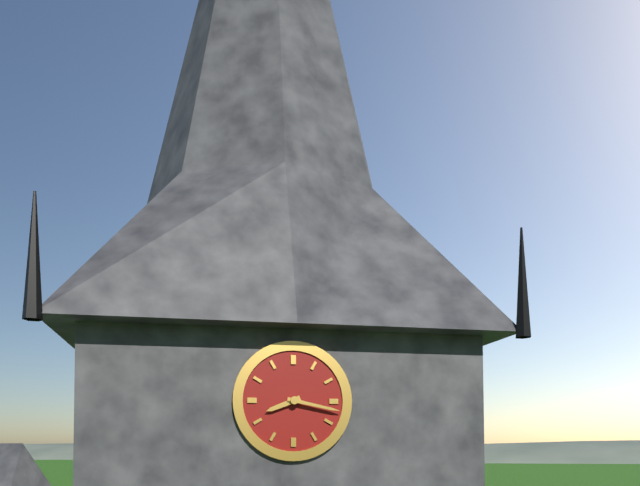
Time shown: **8:17**
